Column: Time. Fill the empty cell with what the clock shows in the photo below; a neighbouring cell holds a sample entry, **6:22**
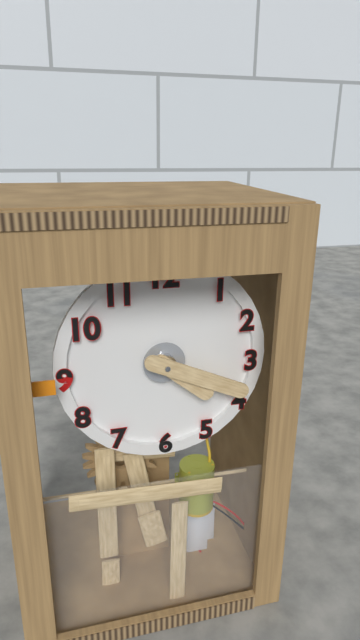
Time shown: **4:19**
